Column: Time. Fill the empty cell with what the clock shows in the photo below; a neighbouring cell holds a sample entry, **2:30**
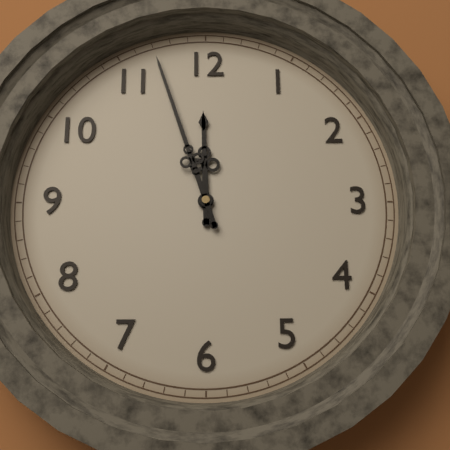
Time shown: **11:57**
